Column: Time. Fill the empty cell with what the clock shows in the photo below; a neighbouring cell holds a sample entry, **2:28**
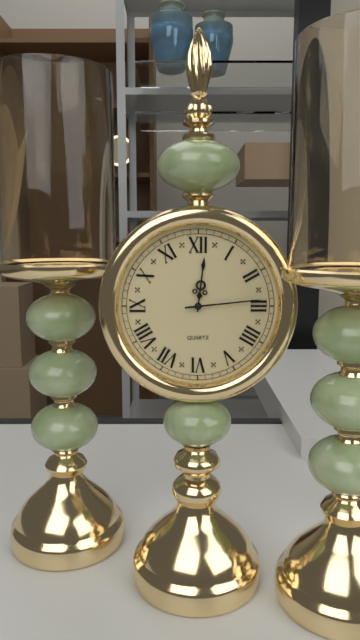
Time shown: **12:14**
